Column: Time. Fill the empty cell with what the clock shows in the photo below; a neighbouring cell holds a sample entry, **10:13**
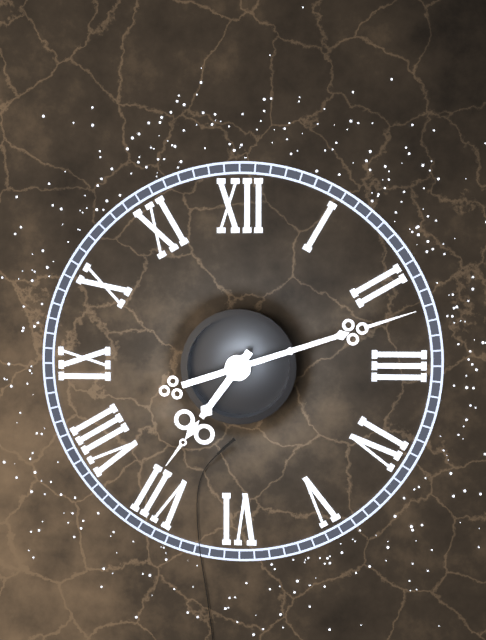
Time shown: **7:12**
